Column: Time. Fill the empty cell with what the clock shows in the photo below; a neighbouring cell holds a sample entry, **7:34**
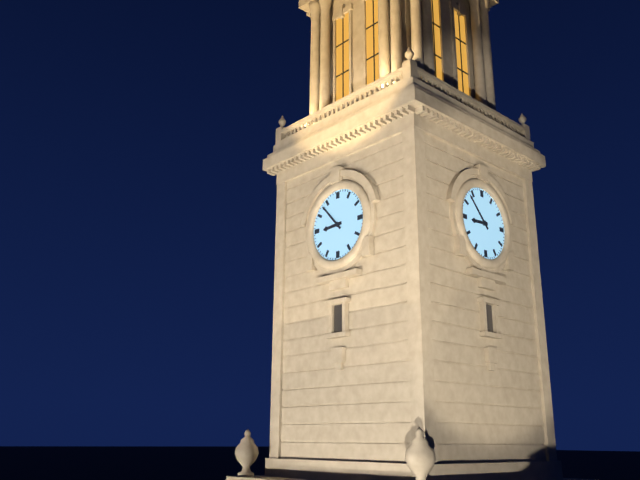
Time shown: **8:53**
